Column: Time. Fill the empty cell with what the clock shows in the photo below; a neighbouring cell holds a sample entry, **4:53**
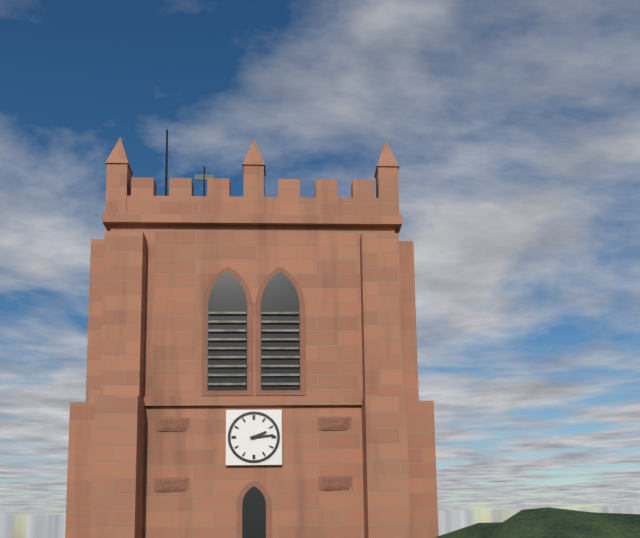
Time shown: **2:14**
